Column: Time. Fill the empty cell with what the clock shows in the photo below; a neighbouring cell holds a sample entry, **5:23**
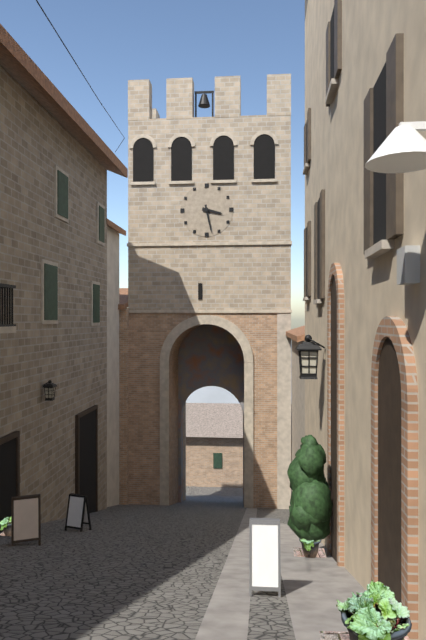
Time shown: **3:28**
